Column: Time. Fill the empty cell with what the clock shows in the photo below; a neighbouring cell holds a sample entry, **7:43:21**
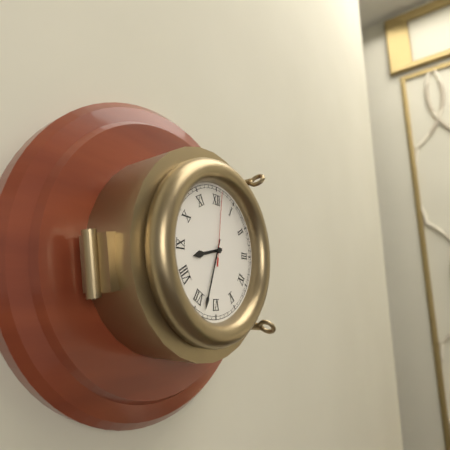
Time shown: **8:33:01**
